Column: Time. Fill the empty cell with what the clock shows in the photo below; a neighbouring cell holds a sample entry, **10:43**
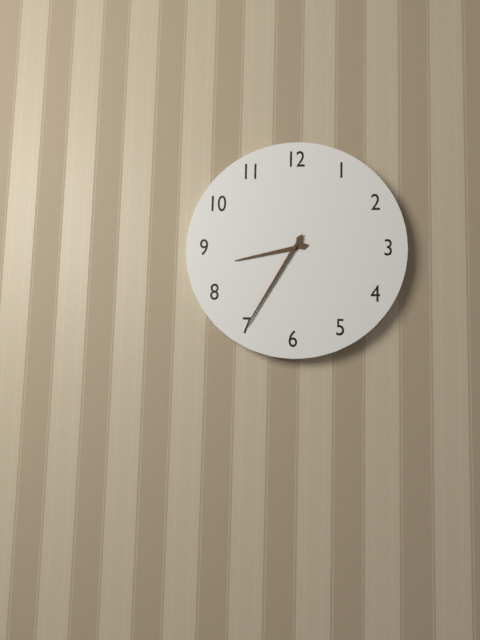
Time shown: **8:35**
